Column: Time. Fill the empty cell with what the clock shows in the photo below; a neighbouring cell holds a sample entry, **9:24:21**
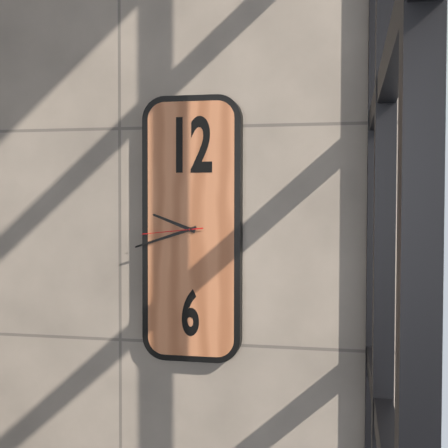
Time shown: **9:42:44**
